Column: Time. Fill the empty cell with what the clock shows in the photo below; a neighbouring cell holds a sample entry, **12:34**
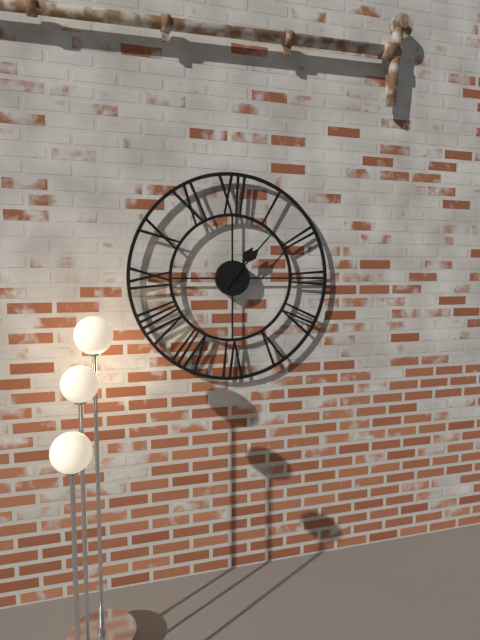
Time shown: **1:07**
